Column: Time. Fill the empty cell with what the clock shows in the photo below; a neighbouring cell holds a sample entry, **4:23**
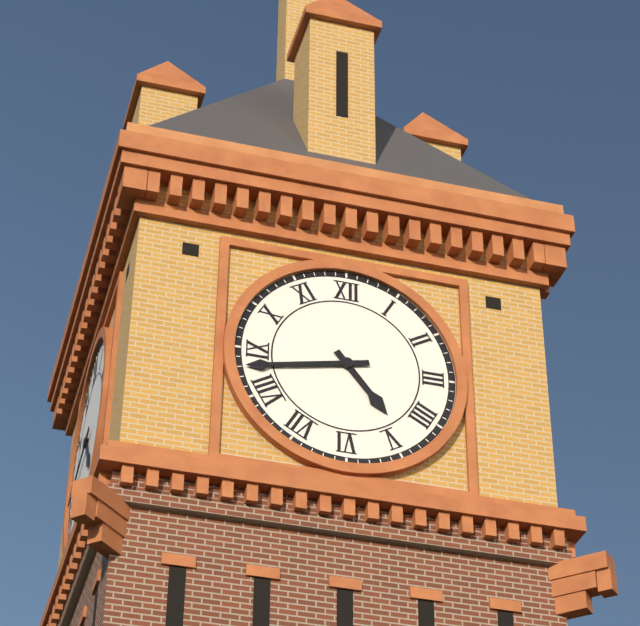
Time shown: **4:43**
